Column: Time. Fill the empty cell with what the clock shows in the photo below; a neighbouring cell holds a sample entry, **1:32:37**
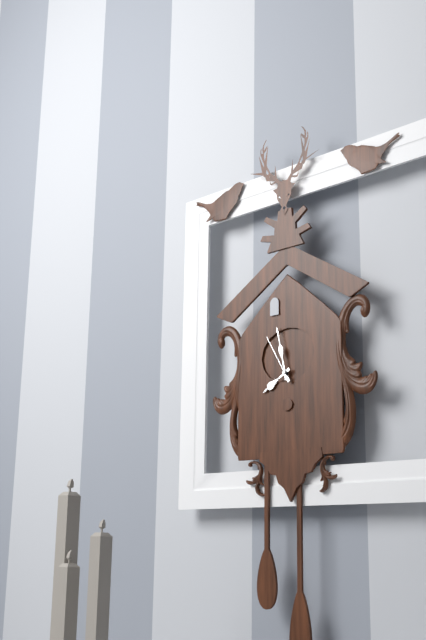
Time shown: **7:58:55**
